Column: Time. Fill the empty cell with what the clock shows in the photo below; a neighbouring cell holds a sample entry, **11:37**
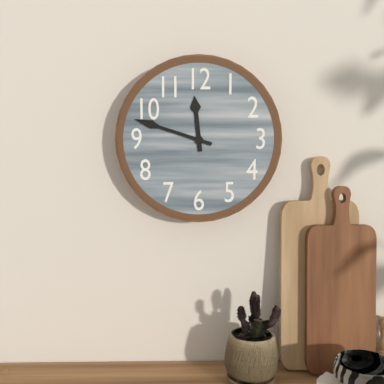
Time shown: **11:48**
